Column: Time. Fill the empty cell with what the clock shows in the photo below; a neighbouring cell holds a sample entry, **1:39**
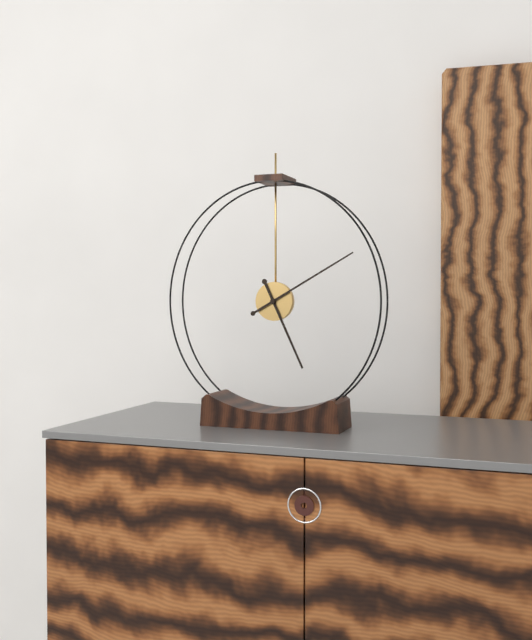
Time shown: **5:10**
